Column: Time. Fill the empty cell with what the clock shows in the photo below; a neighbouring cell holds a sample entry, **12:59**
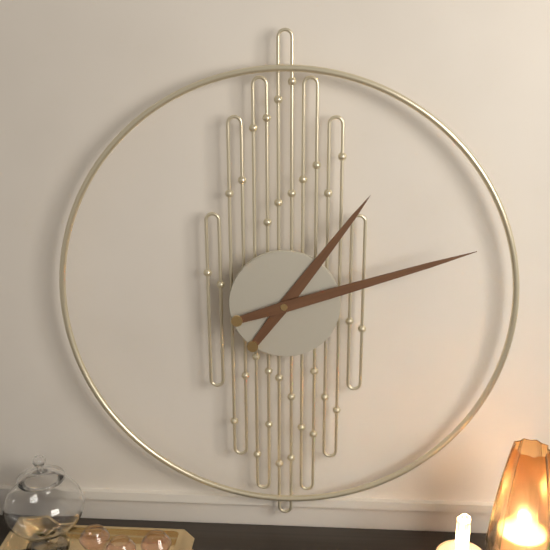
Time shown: **1:12**
